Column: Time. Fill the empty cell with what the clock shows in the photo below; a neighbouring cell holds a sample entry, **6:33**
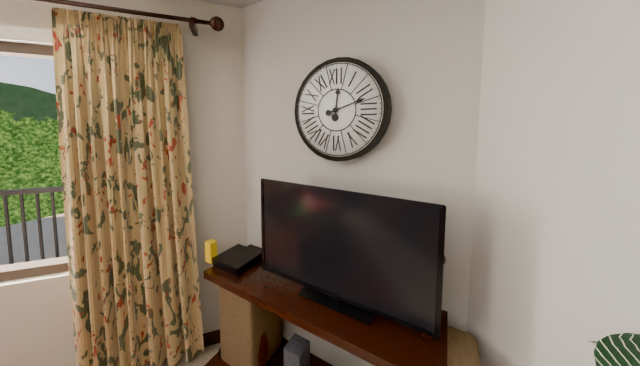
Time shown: **12:12**
